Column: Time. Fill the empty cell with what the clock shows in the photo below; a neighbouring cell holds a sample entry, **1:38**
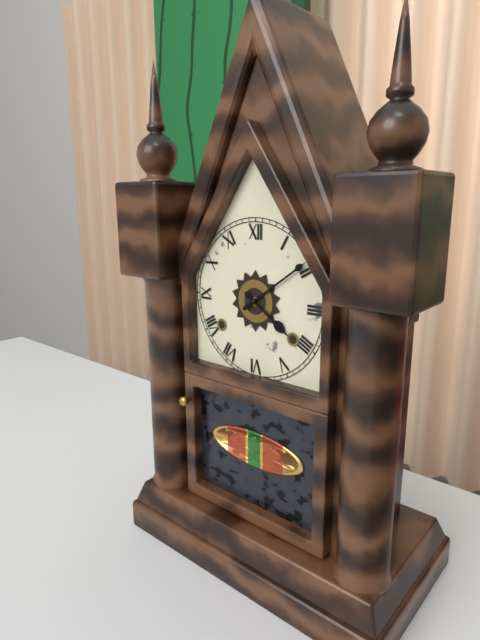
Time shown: **4:09**
